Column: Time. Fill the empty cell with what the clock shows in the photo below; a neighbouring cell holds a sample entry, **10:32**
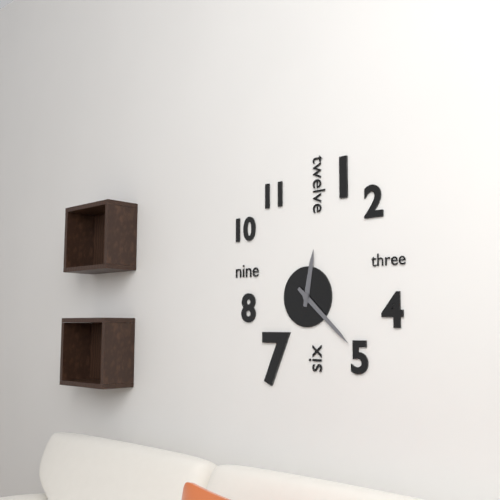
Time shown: **12:22**
